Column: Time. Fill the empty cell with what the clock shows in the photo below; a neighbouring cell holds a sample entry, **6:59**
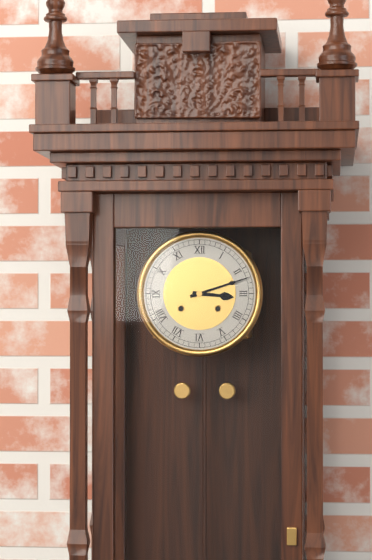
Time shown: **3:12**
